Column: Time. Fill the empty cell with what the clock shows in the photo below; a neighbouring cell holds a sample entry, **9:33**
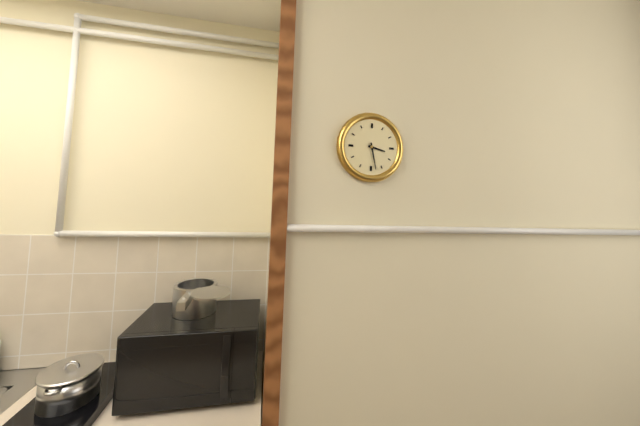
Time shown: **3:28**
